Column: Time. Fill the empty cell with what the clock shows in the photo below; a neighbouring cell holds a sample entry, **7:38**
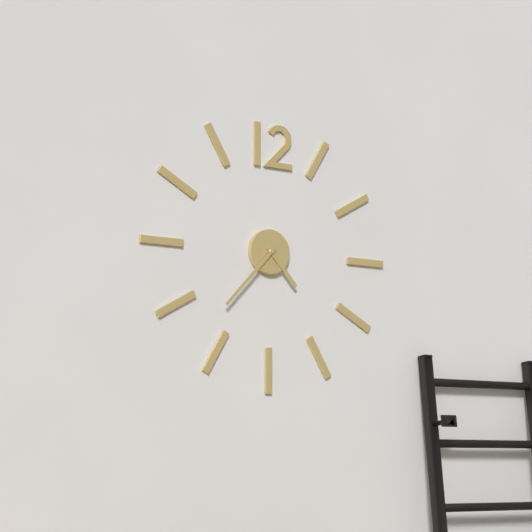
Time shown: **4:37**
